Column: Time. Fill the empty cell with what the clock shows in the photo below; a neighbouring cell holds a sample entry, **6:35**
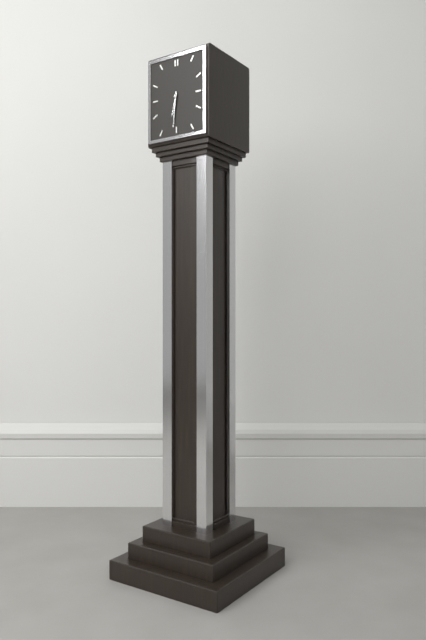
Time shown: **6:31**
